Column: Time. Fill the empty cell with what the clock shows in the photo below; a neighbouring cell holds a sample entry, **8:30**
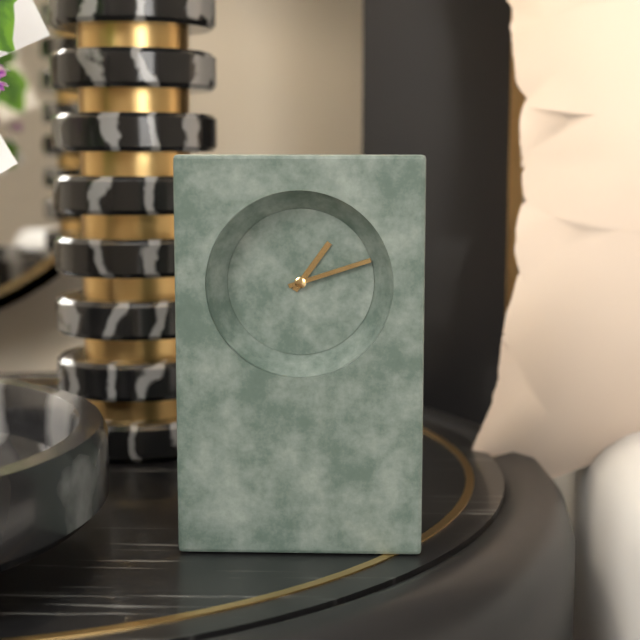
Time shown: **1:12**
